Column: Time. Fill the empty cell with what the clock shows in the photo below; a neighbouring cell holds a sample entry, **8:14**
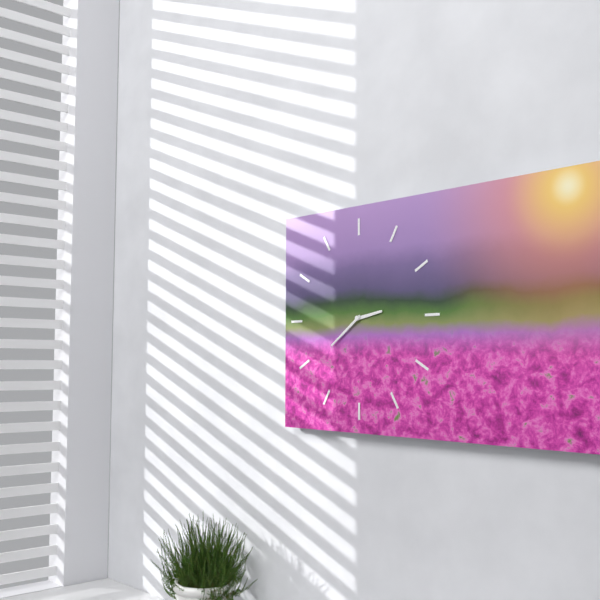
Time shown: **2:39**
